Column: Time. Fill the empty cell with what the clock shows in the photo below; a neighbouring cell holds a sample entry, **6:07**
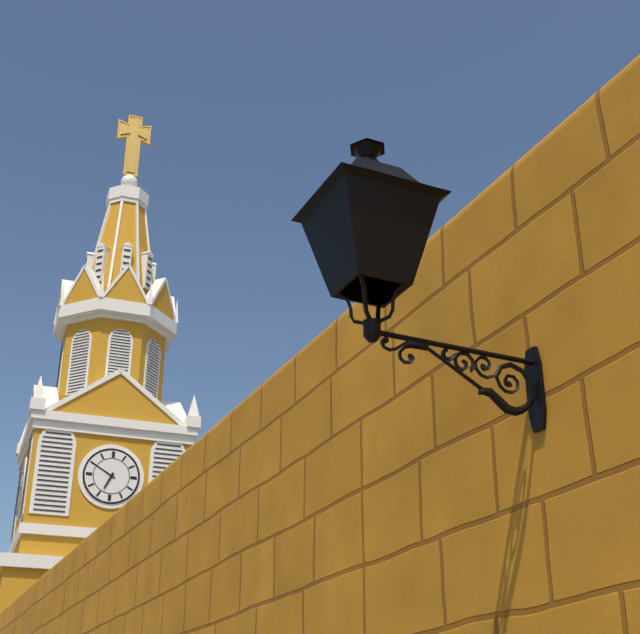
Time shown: **6:50**
